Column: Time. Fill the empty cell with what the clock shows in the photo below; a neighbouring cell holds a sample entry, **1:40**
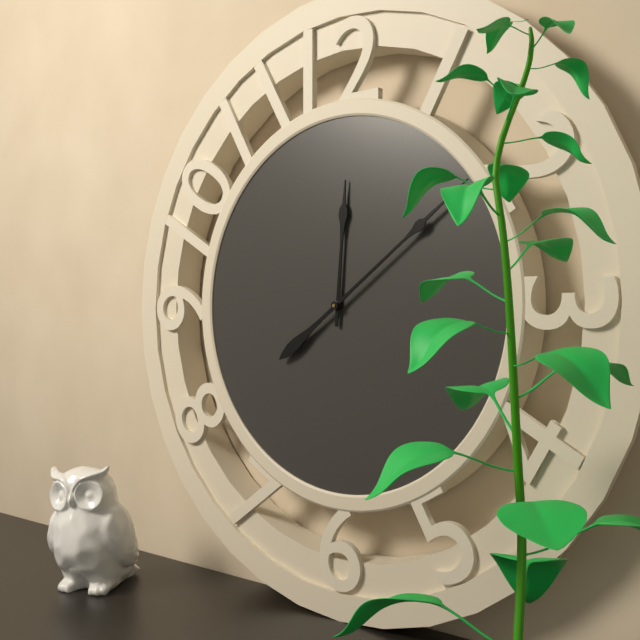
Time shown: **12:09**
